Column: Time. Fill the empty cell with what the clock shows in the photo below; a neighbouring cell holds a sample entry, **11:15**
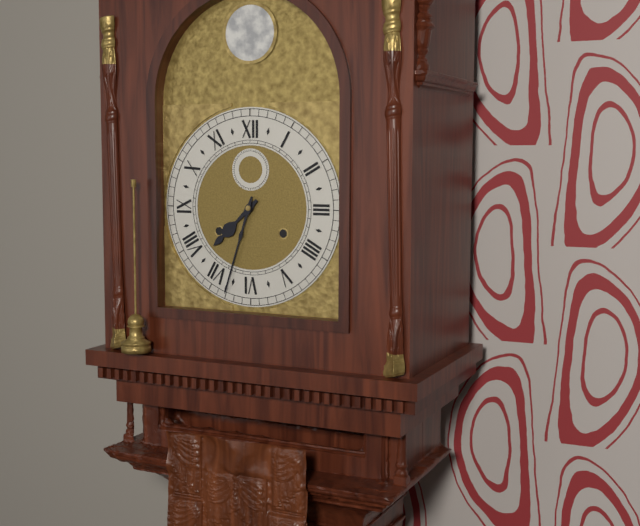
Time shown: **7:33**
